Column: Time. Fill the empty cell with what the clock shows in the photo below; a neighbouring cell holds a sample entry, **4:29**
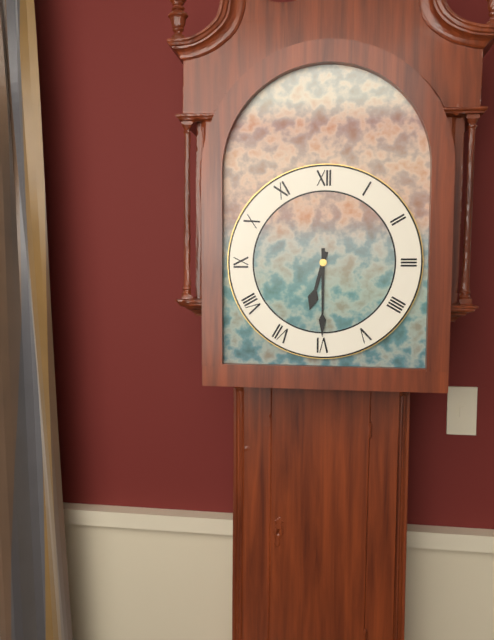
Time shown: **6:30**
